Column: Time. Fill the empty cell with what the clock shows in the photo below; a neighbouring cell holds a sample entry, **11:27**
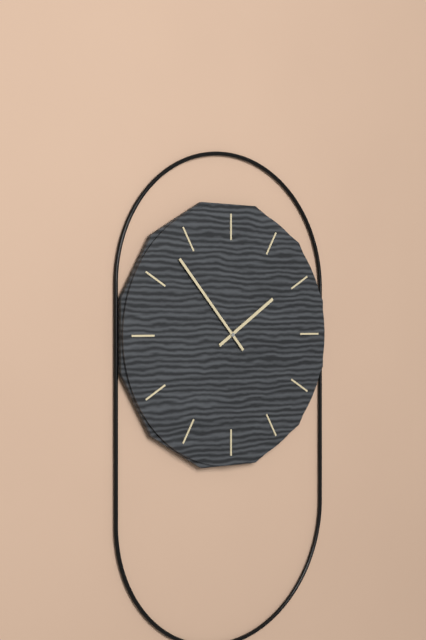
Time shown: **1:53**
